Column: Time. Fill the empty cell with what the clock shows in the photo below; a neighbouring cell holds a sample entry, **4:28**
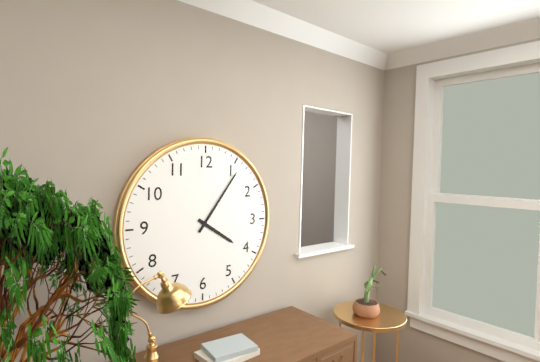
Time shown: **4:06**
